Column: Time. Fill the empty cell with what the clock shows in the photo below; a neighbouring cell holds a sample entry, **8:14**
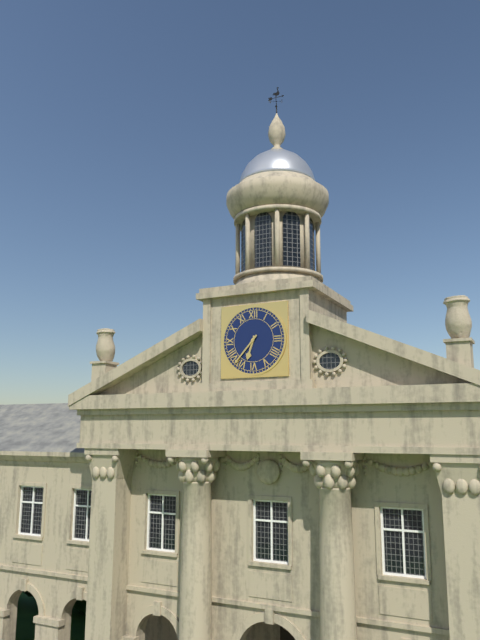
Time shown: **6:37**
